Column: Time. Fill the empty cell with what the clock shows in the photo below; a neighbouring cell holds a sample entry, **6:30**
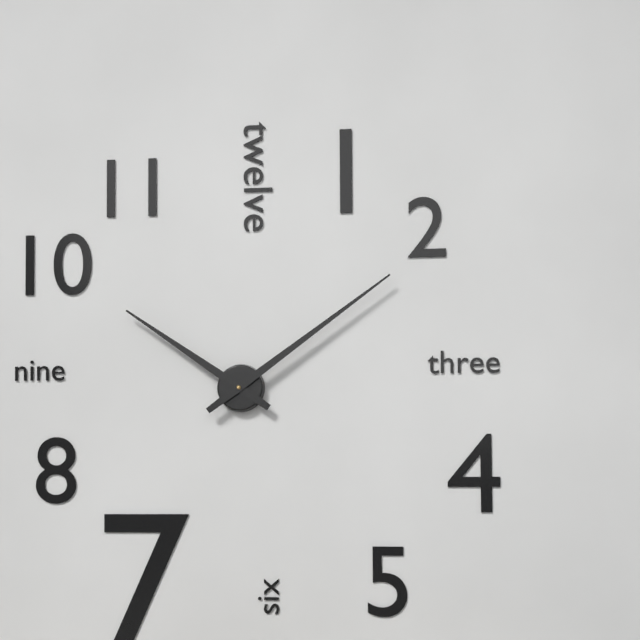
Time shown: **10:09**
